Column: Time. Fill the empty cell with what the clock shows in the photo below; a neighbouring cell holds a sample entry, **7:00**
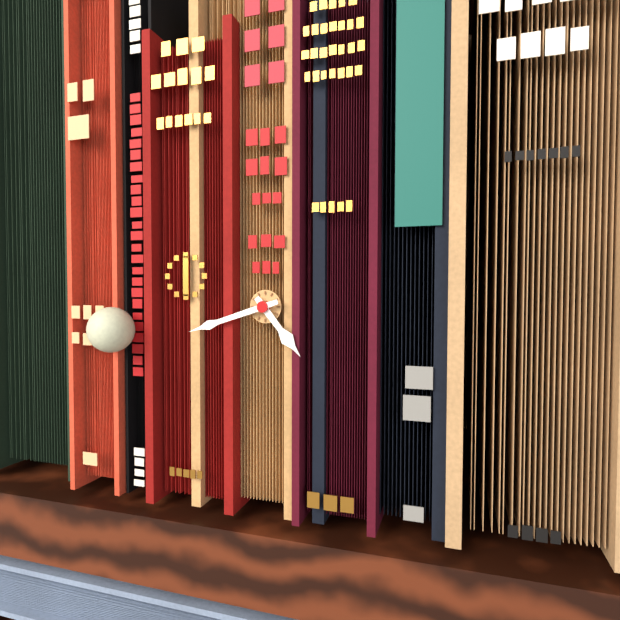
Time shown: **4:42**
